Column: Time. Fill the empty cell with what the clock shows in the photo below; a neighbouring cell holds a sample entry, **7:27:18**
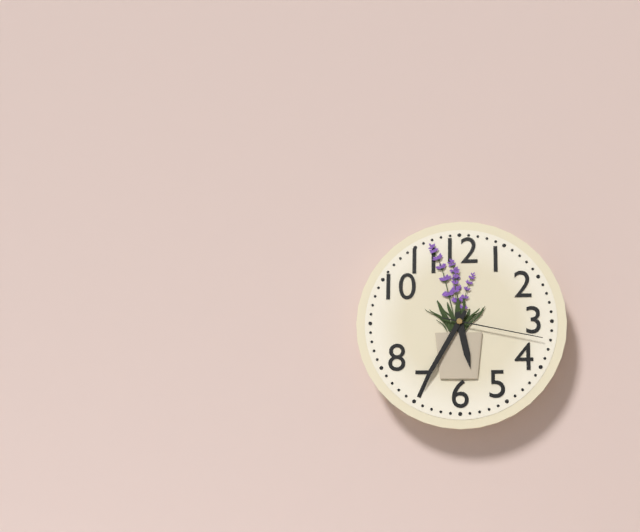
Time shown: **5:35:17**
